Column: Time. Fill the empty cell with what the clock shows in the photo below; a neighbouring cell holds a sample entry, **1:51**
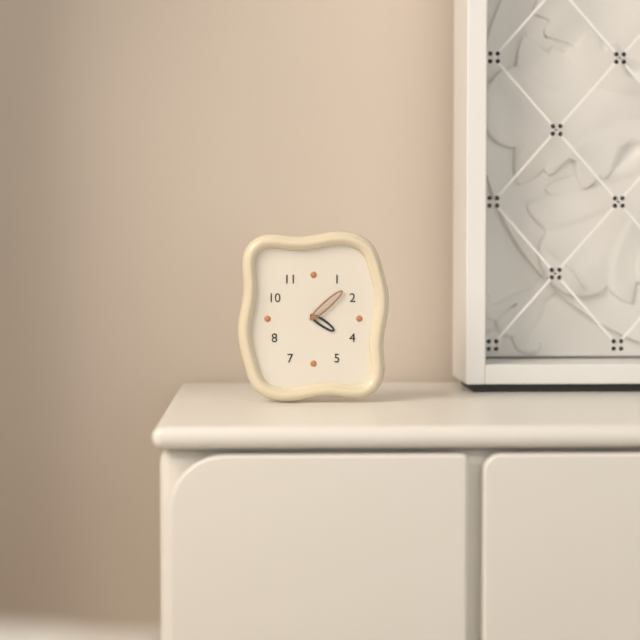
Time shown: **4:08**
